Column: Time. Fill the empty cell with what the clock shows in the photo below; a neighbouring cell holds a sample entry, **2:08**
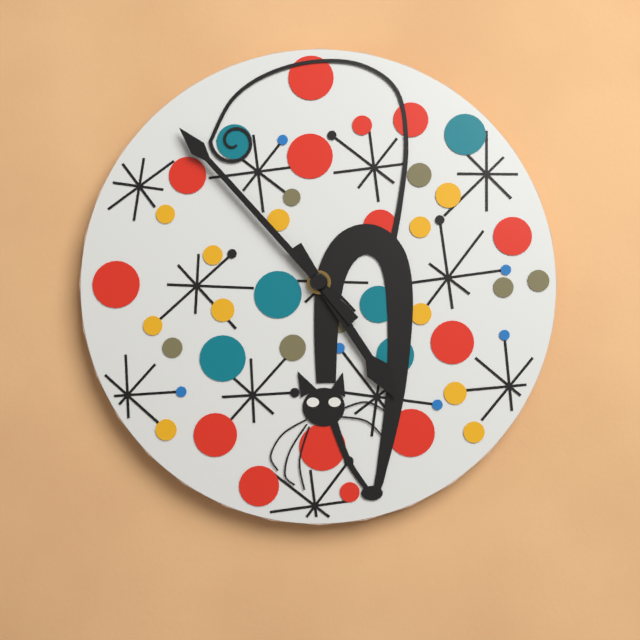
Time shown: **4:53**
